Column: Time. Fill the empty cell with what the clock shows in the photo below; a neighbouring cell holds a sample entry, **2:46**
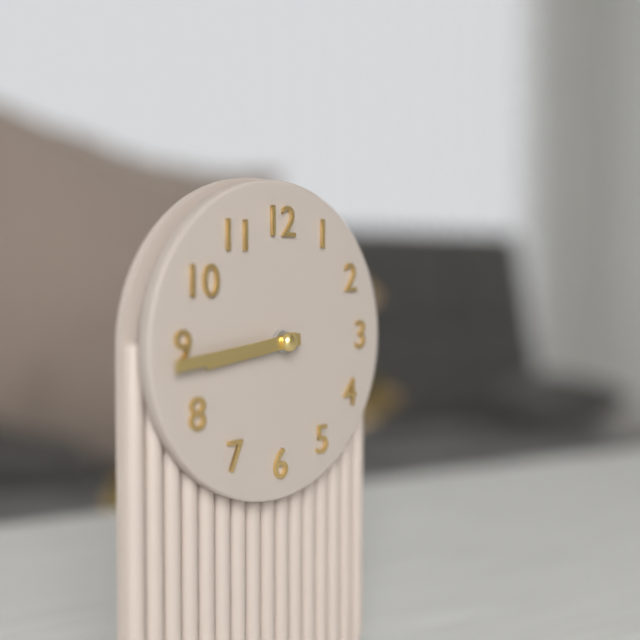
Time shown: **8:44**
